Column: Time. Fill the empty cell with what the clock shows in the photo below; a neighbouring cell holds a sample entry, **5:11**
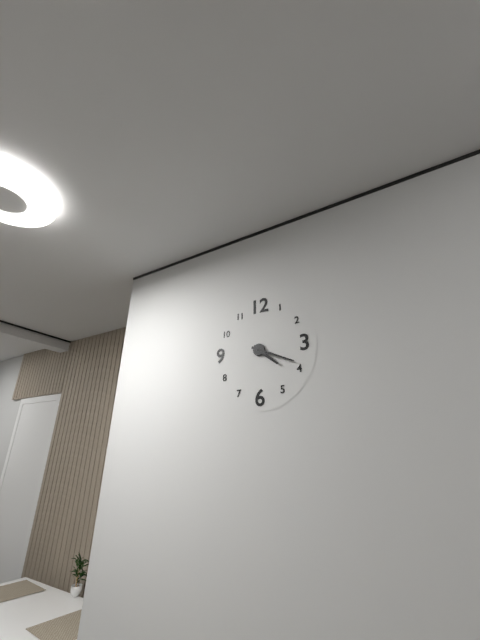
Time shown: **4:19**
